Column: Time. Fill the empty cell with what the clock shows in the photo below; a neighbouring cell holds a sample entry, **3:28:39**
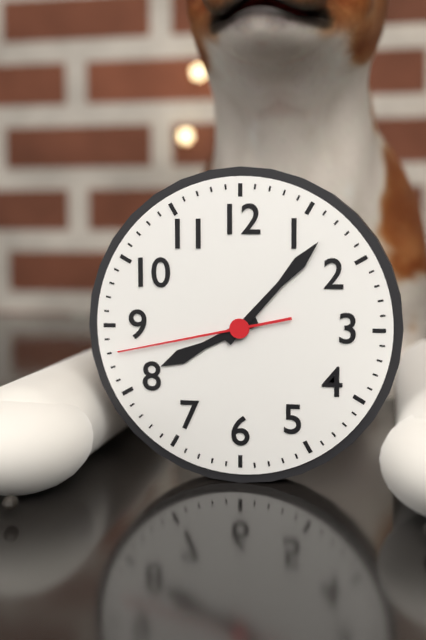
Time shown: **8:07:43**
